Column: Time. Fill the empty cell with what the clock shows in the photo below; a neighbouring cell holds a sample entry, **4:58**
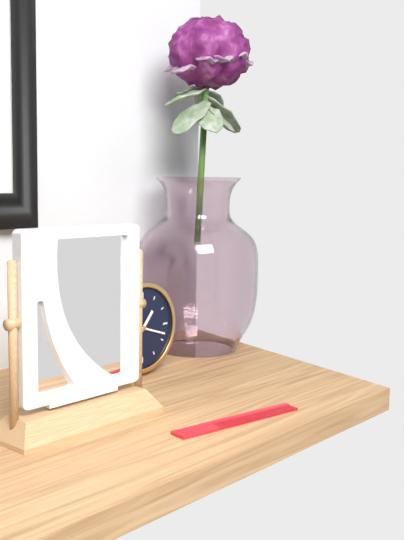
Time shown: **1:18**
